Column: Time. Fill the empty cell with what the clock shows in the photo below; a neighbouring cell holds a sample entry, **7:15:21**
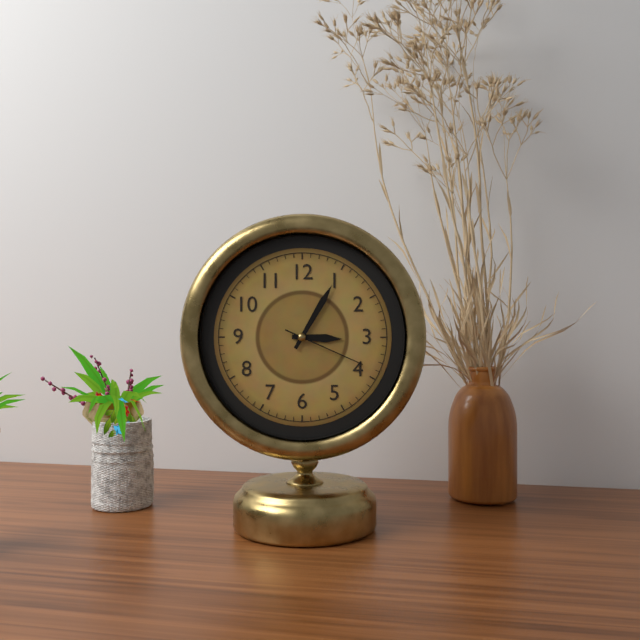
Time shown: **3:05:19**
